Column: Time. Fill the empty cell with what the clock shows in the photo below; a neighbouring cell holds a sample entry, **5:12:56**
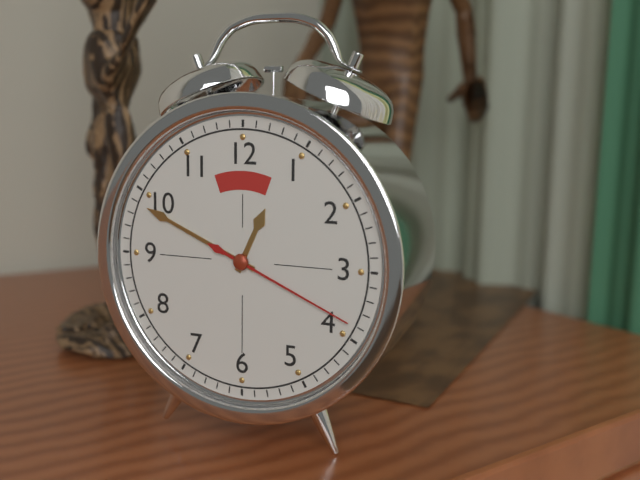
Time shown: **12:49:19**
